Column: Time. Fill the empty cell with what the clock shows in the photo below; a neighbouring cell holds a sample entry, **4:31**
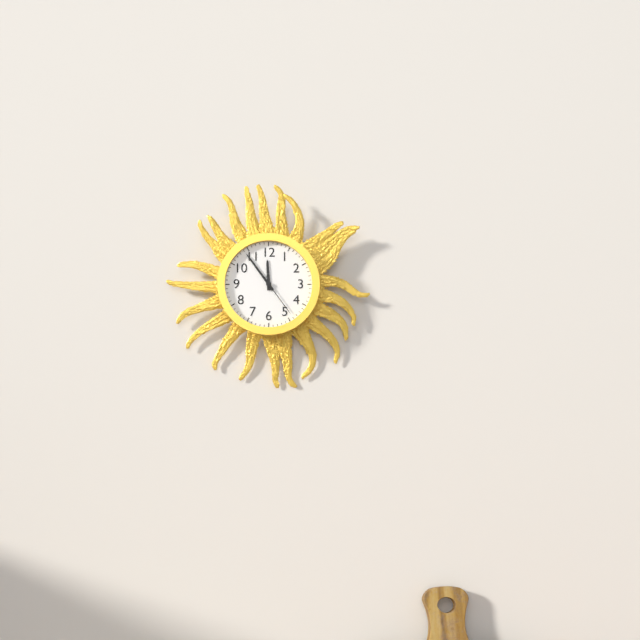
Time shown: **11:54**
